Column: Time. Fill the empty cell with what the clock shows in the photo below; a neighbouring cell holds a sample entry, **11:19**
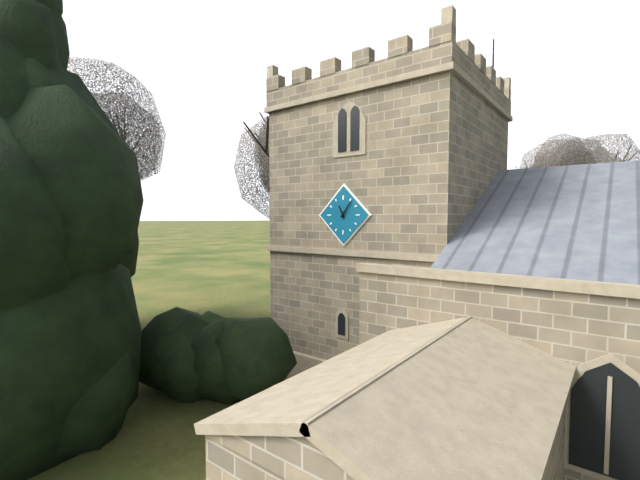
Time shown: **11:06**
